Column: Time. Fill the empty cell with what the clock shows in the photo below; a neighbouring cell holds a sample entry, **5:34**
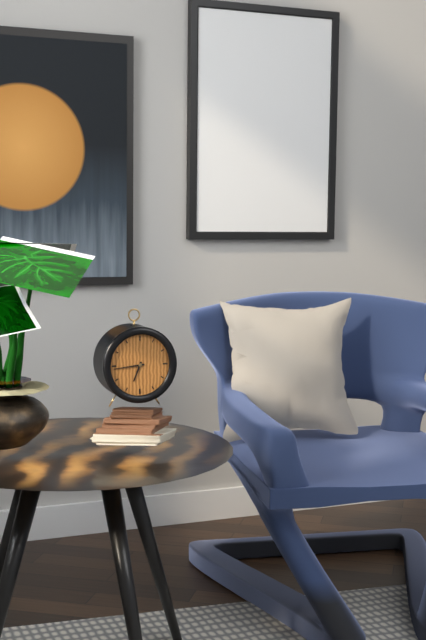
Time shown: **6:44**
